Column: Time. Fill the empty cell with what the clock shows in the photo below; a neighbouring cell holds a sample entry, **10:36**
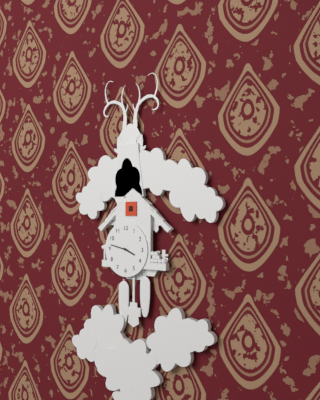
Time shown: **3:47**
